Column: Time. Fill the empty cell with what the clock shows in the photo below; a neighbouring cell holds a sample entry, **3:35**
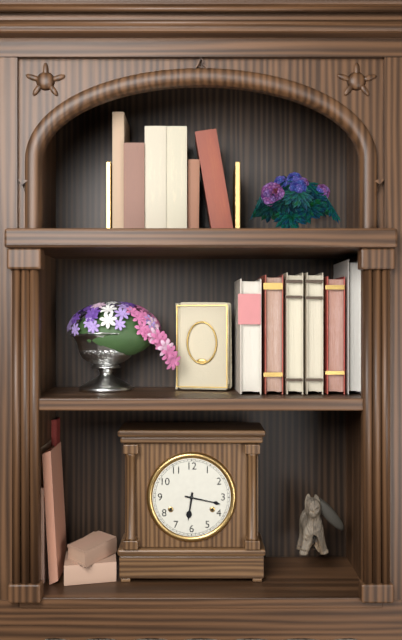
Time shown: **6:17**
